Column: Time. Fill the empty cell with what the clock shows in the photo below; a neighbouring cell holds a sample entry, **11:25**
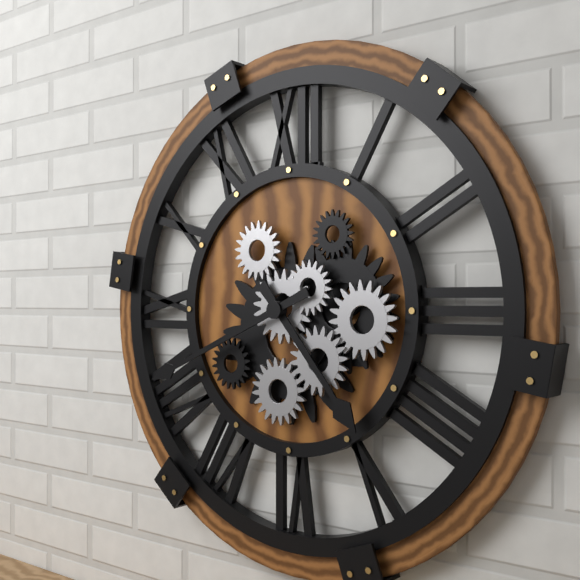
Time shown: **4:41**
